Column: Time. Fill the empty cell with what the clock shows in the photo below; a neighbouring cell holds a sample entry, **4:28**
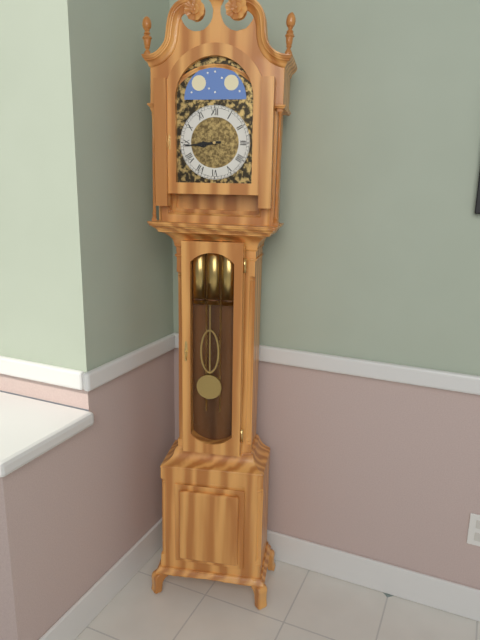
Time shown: **8:44**
